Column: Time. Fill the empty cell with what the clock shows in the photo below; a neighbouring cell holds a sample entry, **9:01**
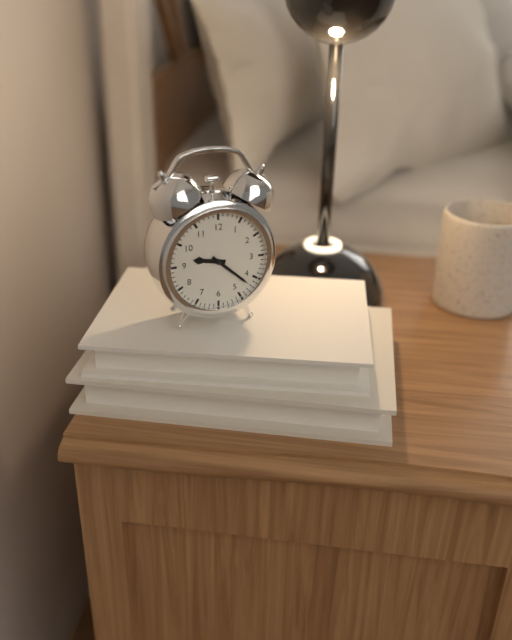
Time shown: **9:22**
